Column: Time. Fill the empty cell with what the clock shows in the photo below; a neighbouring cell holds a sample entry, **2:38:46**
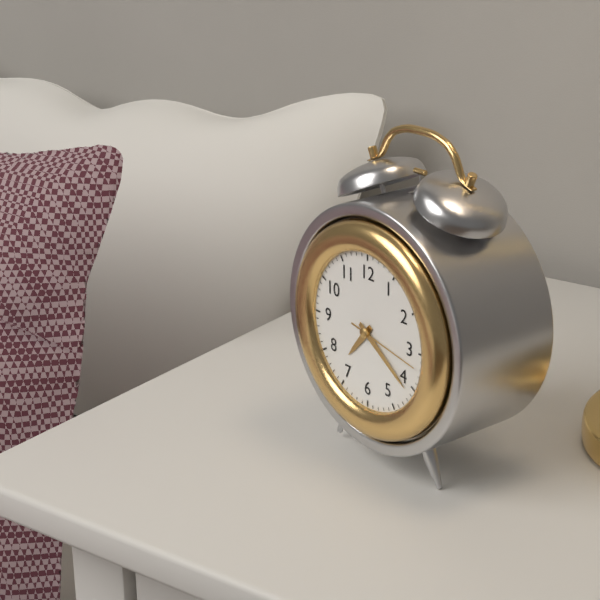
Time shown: **7:21:17**
